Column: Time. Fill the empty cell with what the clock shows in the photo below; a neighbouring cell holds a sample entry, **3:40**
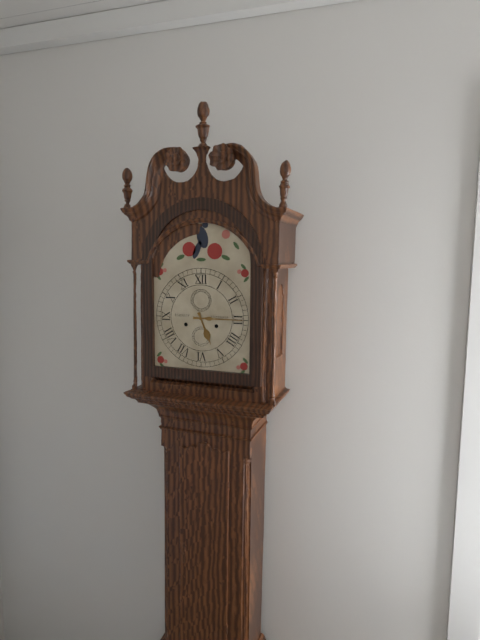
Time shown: **5:15**
